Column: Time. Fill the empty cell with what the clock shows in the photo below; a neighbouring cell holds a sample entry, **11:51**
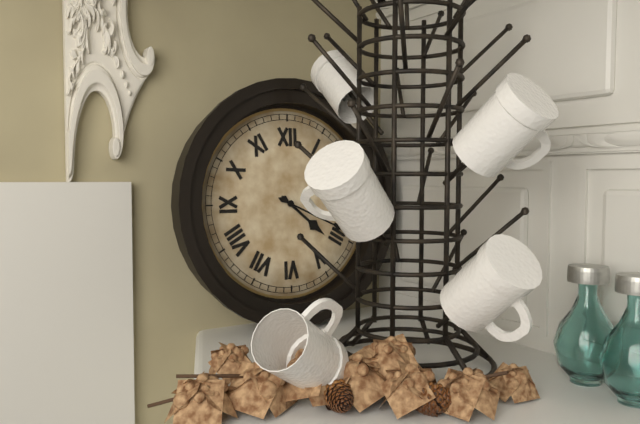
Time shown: **4:19**
